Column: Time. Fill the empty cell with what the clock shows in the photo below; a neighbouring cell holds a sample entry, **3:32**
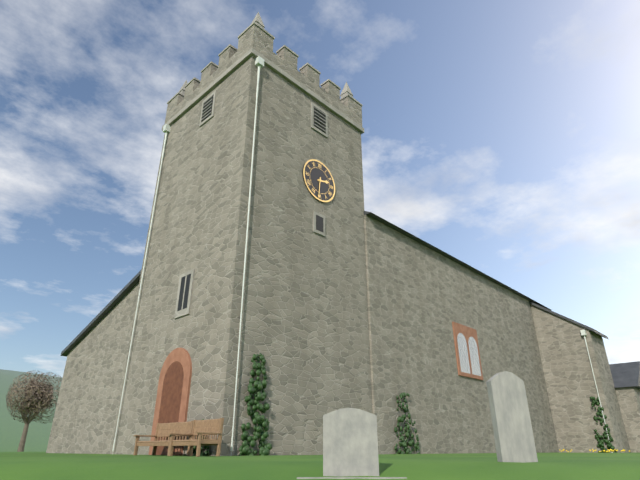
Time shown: **2:31**
